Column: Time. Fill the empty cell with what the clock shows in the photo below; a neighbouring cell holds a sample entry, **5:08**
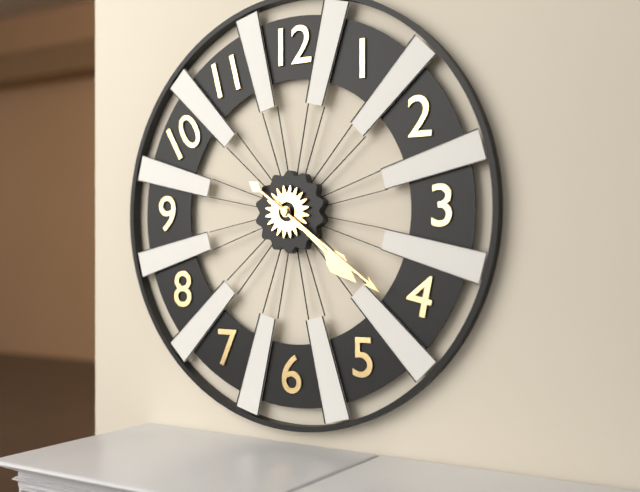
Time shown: **4:21**
